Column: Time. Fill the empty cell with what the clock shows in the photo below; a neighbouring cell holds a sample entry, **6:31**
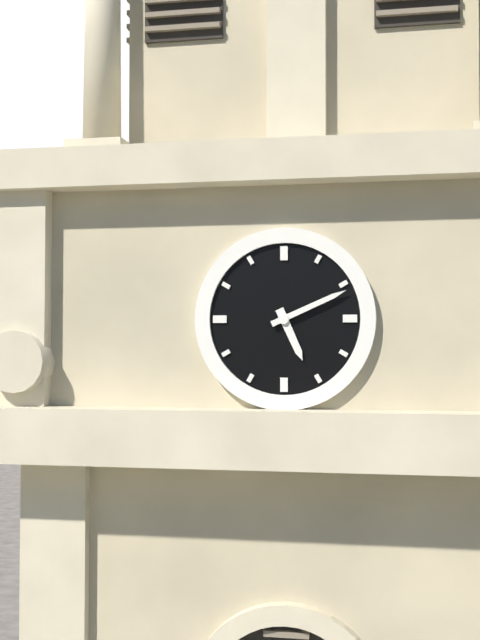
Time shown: **5:11**
